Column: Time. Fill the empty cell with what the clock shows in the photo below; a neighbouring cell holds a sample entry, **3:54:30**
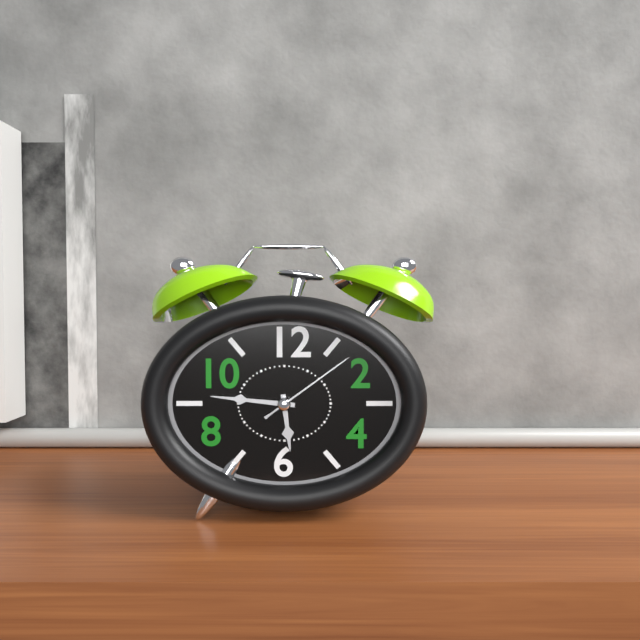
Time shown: **5:46:09**
